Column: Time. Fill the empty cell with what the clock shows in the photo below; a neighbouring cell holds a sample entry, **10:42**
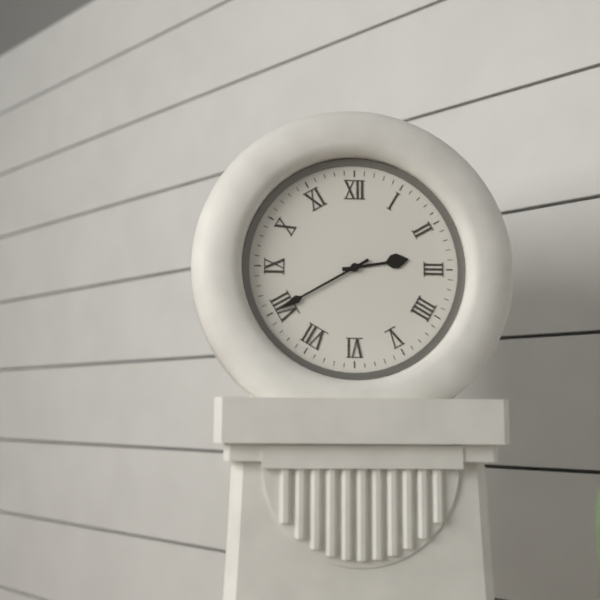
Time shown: **2:40**
